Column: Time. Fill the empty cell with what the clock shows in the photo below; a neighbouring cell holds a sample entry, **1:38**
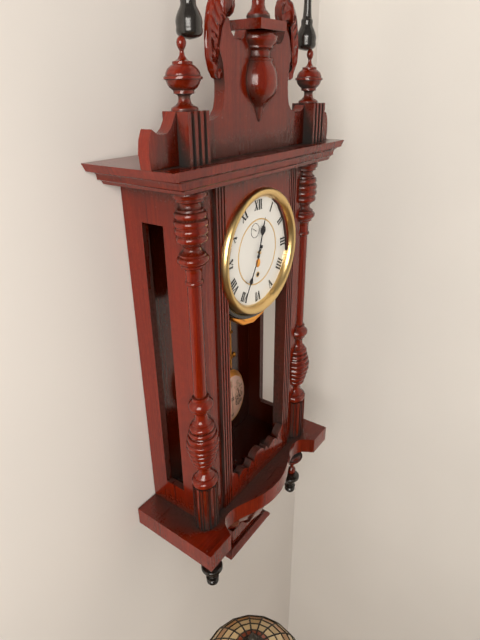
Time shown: **12:35**
